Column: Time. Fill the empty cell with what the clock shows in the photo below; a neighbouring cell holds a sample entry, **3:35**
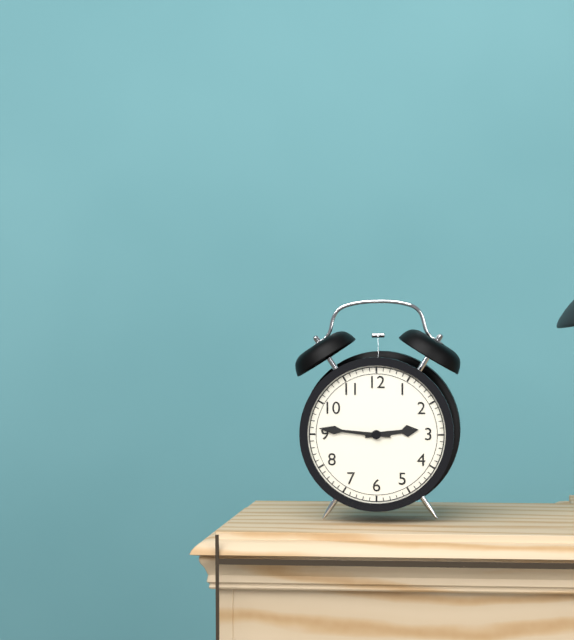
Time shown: **2:46**
